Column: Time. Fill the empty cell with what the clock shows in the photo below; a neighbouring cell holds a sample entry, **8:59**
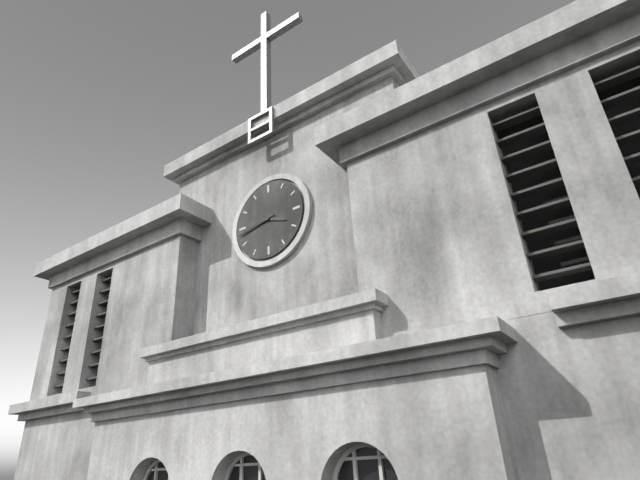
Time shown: **3:43**
